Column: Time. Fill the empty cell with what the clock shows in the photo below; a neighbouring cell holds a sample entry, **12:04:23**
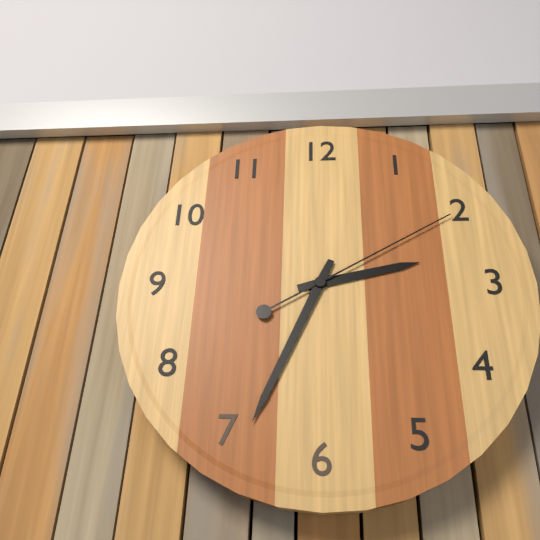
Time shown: **2:34:10**
